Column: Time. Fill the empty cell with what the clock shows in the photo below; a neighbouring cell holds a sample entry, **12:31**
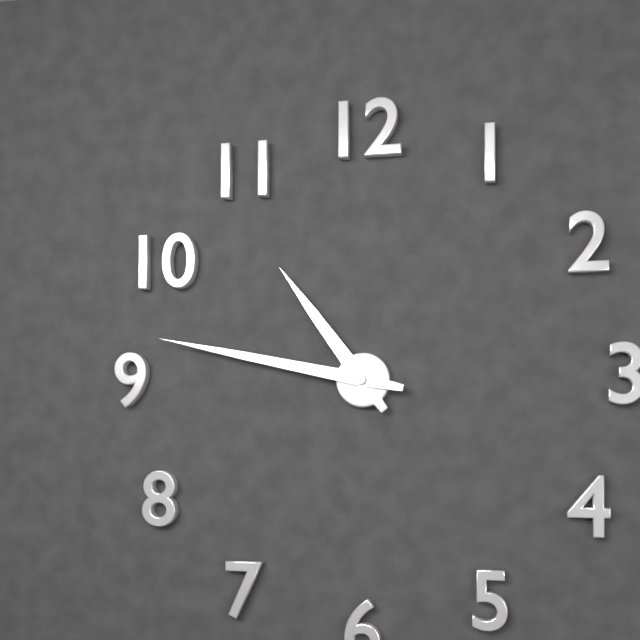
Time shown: **10:47**
